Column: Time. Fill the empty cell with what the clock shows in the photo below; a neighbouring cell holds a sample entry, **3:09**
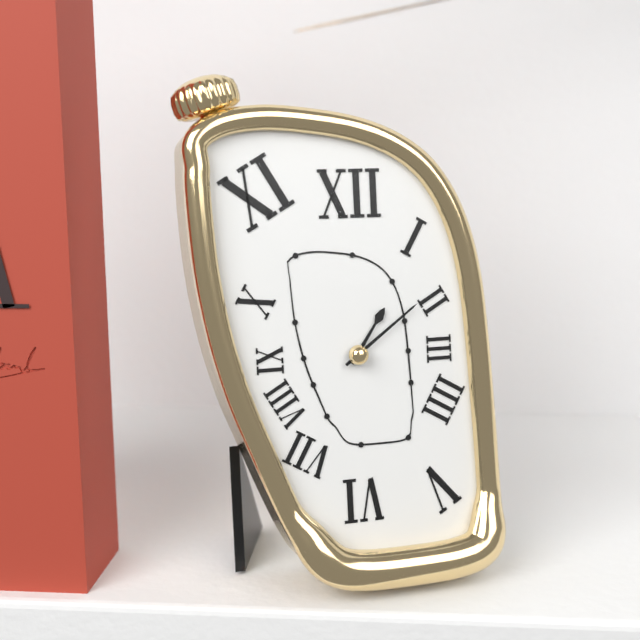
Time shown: **1:09**
